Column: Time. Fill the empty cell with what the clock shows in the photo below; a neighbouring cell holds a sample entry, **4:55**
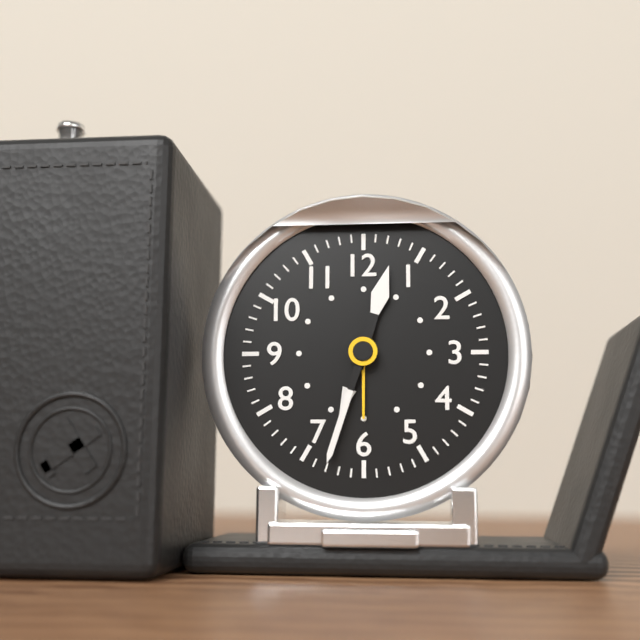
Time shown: **12:33**
